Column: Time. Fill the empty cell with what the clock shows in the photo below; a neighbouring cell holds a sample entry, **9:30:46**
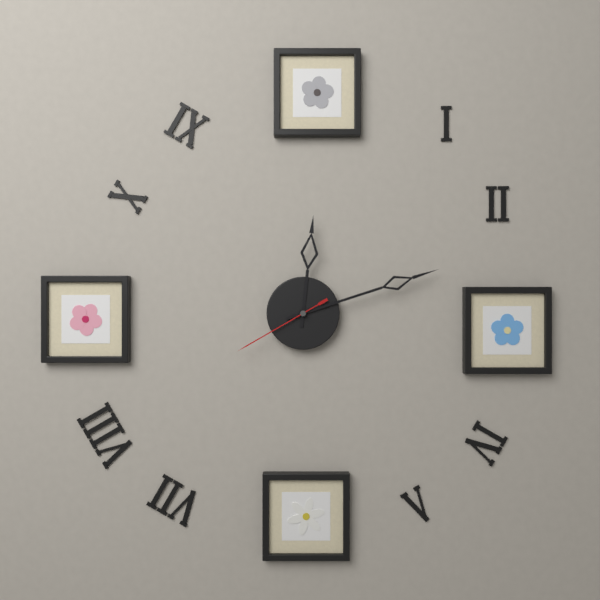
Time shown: **12:12:40**
